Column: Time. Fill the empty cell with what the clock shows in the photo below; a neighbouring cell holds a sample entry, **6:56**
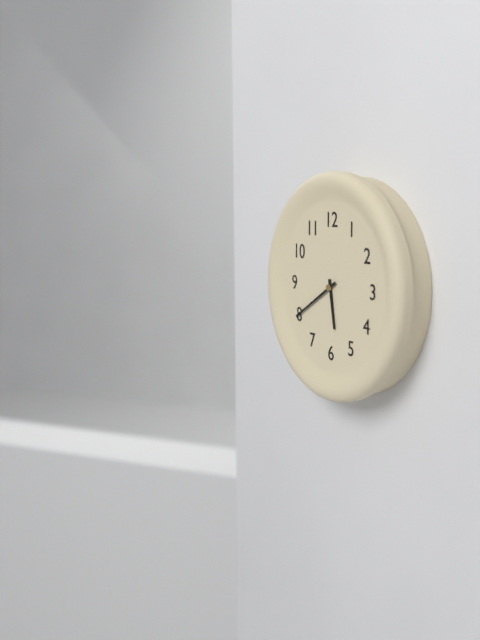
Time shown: **5:40**
